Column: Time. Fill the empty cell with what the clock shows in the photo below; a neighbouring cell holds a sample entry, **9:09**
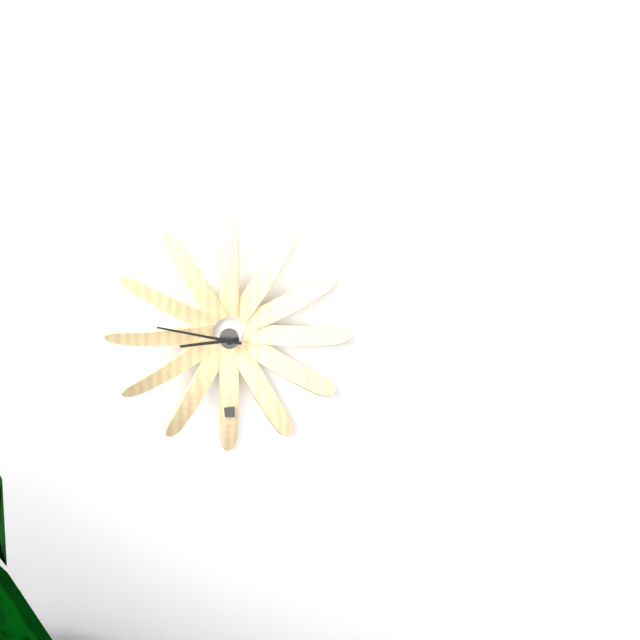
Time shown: **8:47**
